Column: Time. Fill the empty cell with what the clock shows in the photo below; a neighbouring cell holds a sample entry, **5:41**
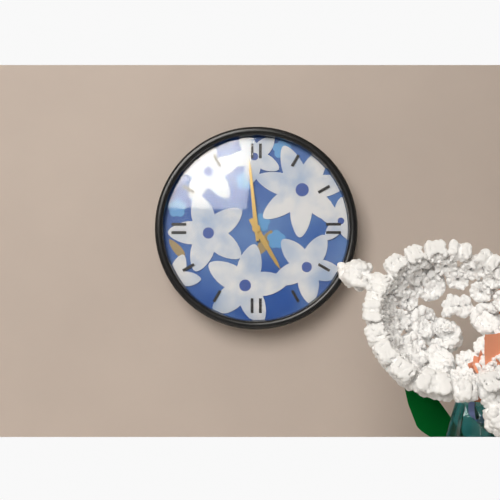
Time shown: **4:59**
